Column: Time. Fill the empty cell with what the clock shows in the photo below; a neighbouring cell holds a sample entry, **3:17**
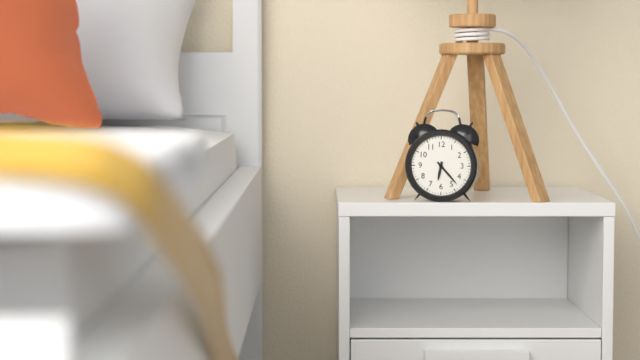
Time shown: **6:23**
